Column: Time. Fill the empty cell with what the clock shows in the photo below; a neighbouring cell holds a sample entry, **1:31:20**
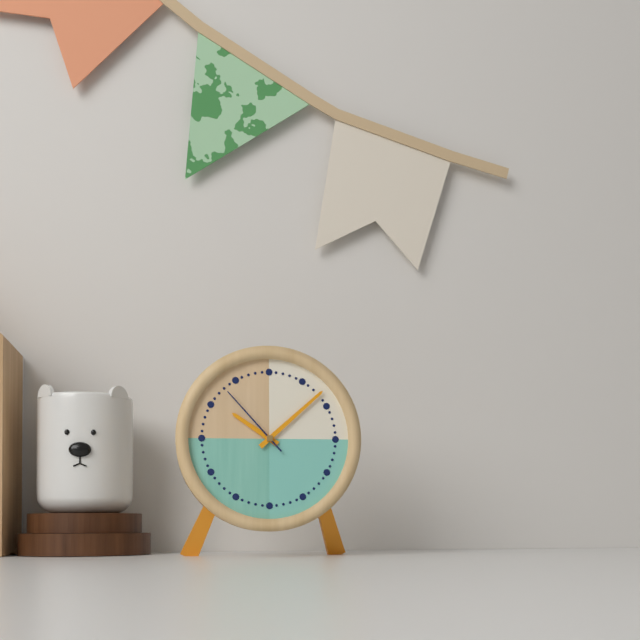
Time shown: **10:08:53**
